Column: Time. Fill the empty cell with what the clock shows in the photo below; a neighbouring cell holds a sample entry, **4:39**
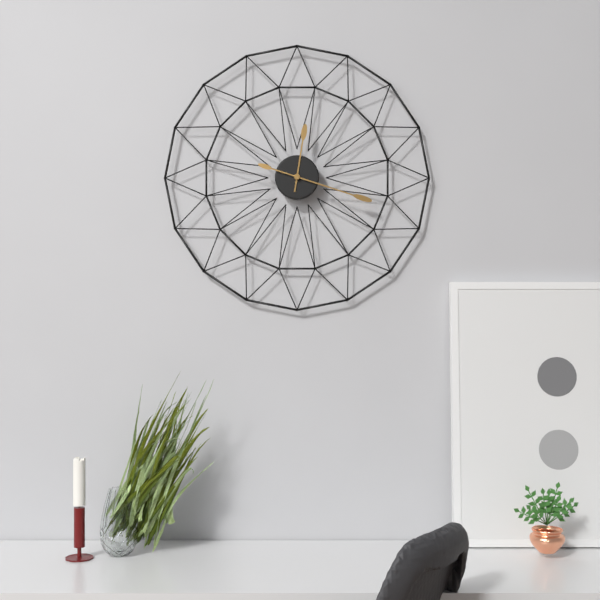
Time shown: **12:18**
